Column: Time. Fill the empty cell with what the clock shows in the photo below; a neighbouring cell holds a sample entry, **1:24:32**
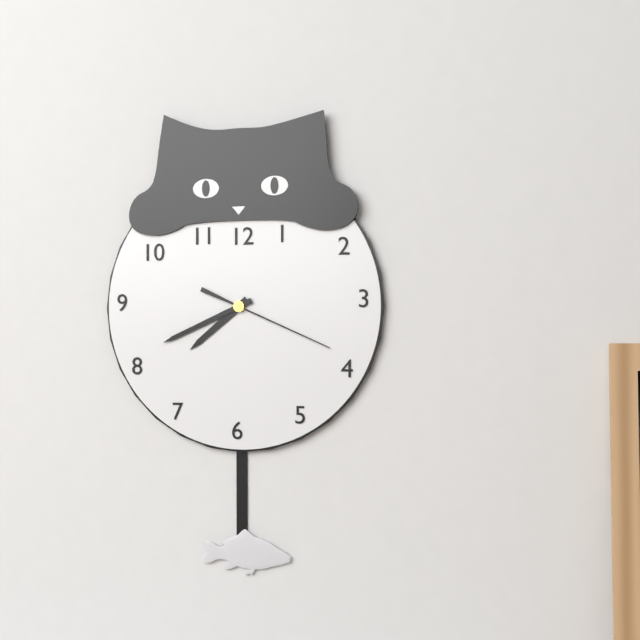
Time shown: **7:41:19**
